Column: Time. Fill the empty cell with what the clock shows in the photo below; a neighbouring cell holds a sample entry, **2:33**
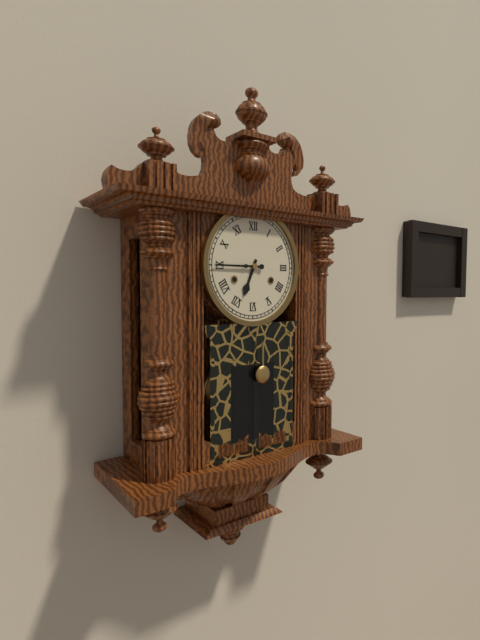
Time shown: **6:45**
